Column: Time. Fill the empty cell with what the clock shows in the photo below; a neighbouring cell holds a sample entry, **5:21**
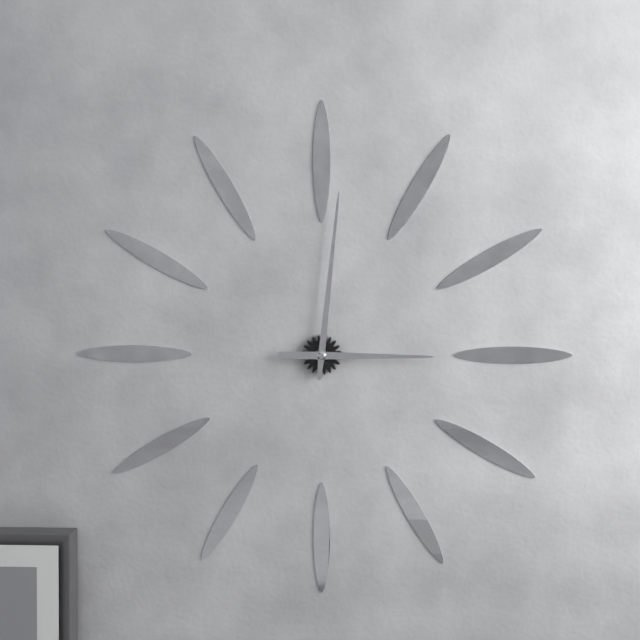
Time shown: **3:01**
